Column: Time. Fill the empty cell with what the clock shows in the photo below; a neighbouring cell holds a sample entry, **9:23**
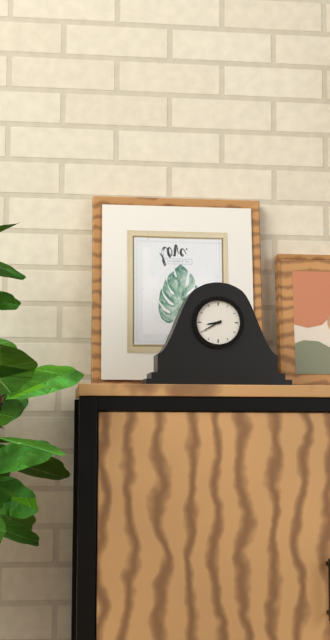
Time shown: **8:40**
